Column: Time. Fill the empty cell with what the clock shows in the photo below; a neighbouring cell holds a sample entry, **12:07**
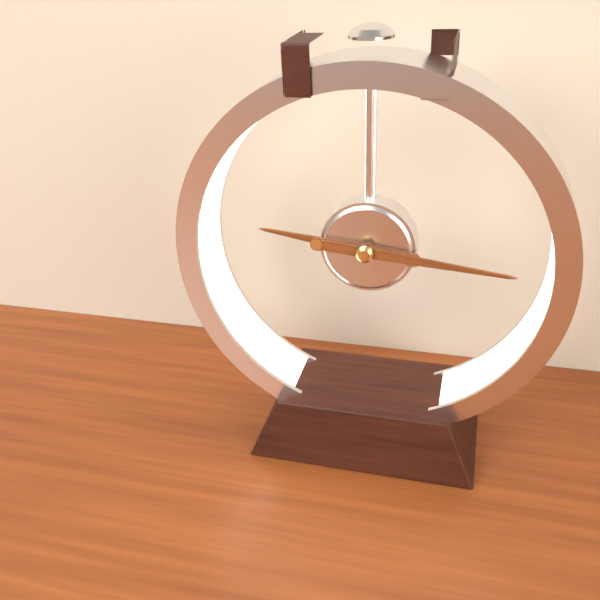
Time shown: **9:16**
